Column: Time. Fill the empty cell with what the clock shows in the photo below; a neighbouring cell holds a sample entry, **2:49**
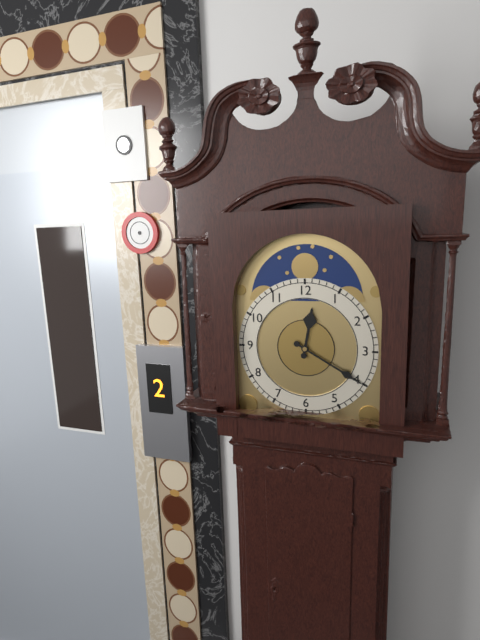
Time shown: **12:20**
